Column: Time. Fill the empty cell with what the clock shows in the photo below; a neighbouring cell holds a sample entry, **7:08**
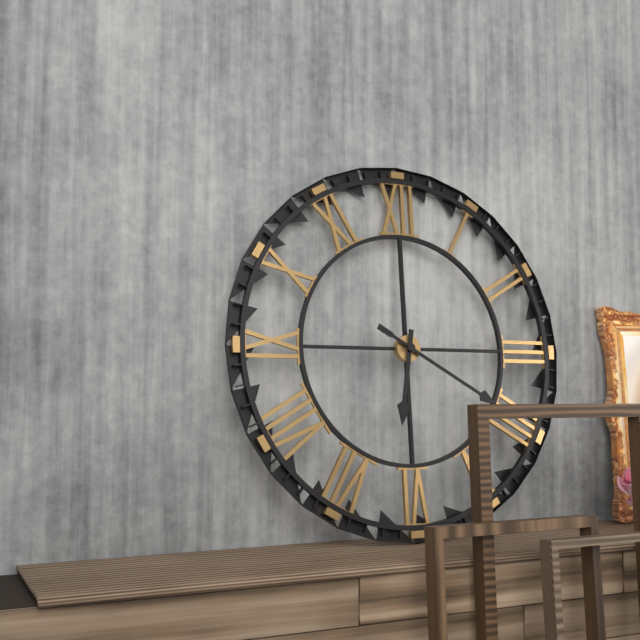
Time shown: **6:20**
